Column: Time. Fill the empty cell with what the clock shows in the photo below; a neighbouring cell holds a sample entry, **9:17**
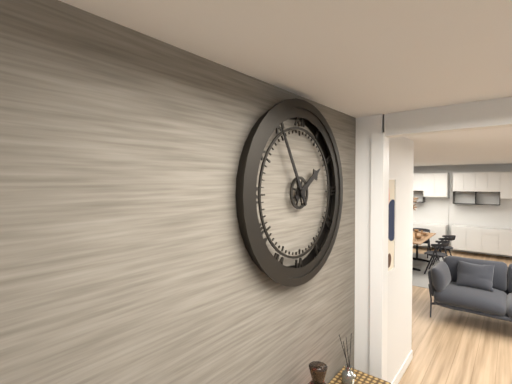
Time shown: **1:55**
